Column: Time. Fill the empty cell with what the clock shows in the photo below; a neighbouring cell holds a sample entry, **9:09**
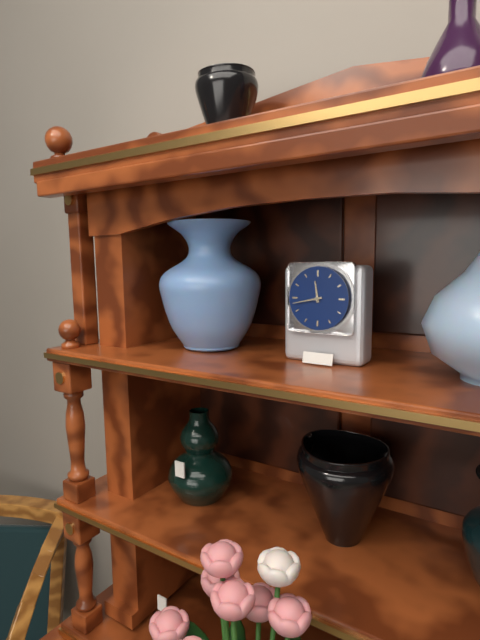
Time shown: **11:43**
